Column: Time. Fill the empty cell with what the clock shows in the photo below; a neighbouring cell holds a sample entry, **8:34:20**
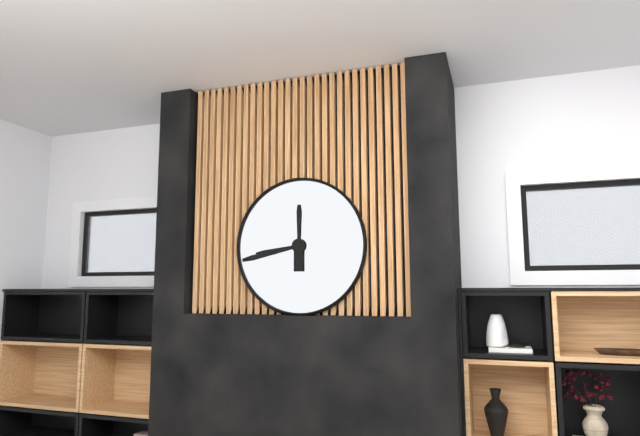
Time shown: **8:43:00**
